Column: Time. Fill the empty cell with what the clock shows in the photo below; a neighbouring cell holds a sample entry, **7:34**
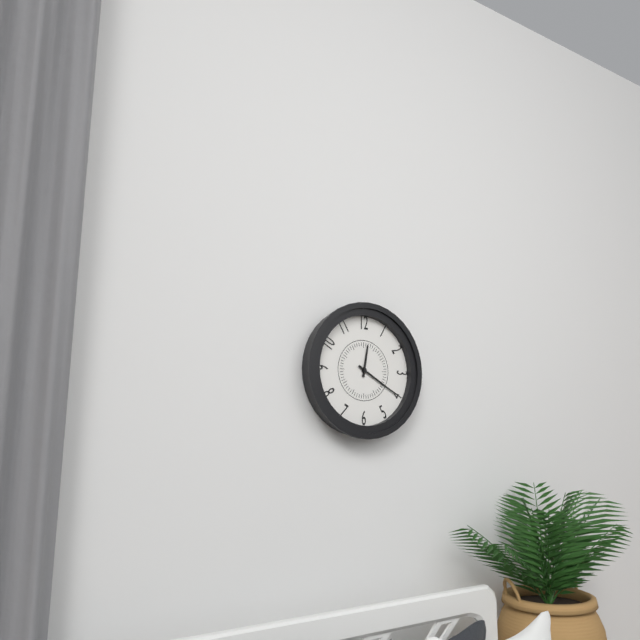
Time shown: **12:20**
